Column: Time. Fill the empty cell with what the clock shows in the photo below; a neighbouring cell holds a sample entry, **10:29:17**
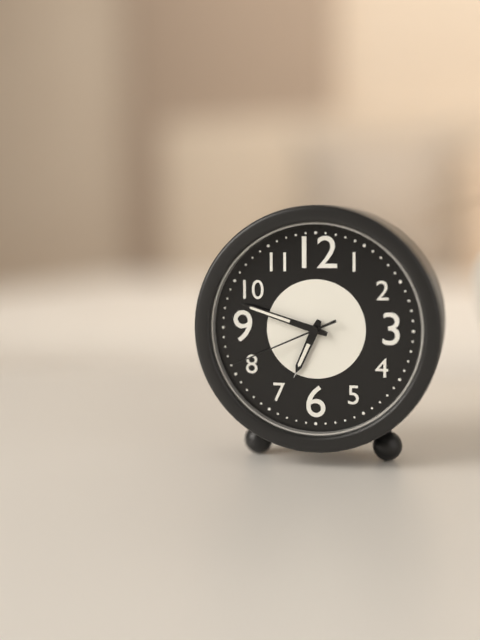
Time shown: **6:48:41**
